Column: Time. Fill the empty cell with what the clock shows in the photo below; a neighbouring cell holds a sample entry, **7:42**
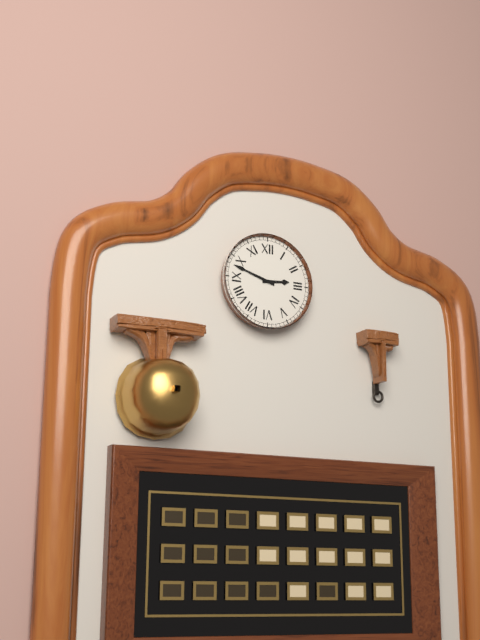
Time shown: **2:48**
